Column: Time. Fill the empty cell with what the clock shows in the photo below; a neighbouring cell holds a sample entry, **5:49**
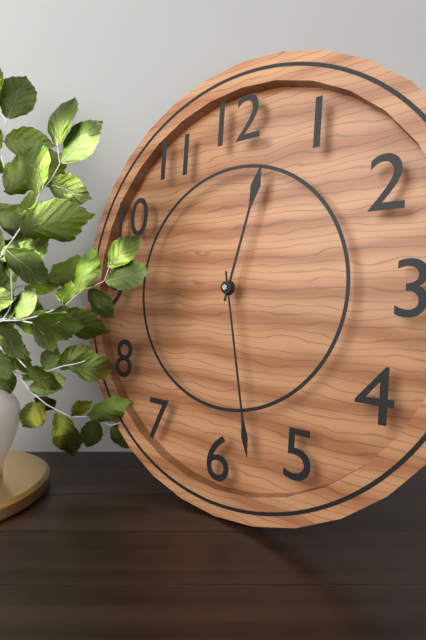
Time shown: **12:28**
